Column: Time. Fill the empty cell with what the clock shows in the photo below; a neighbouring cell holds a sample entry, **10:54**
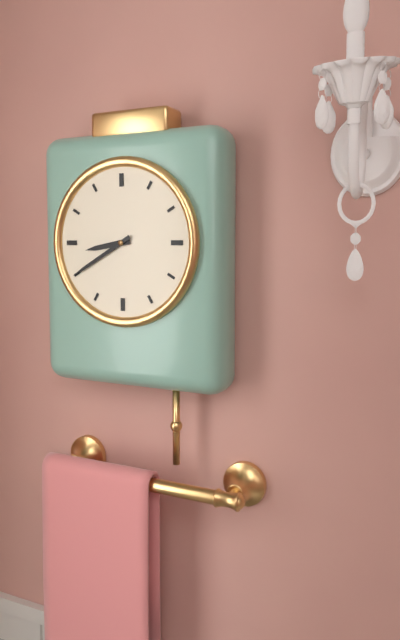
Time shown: **8:40**
